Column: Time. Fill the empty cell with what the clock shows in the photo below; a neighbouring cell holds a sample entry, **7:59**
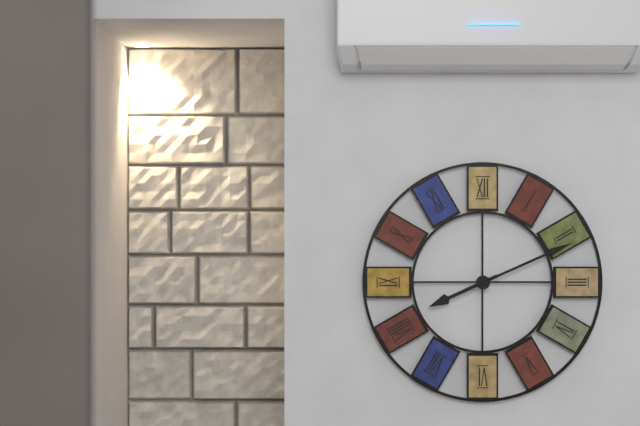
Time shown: **8:11**
